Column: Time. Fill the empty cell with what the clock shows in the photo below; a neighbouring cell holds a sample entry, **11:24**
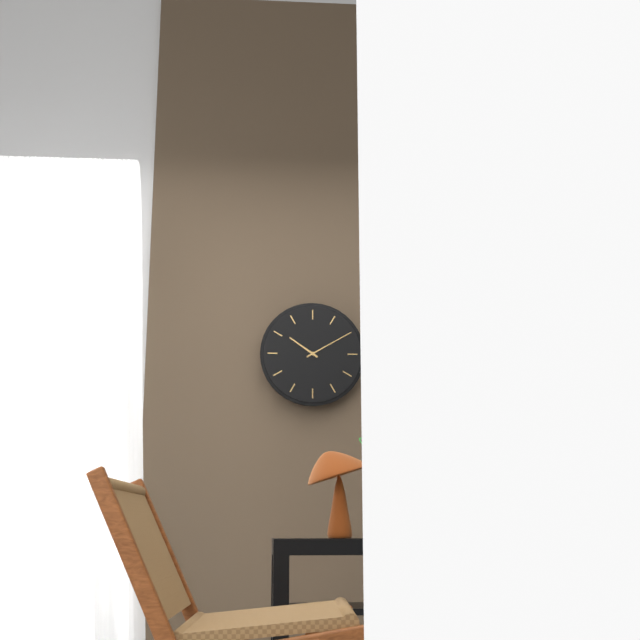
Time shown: **10:10**
